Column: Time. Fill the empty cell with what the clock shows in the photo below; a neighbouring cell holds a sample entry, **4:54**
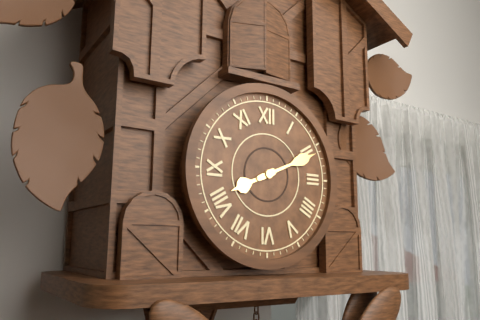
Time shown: **8:11**
